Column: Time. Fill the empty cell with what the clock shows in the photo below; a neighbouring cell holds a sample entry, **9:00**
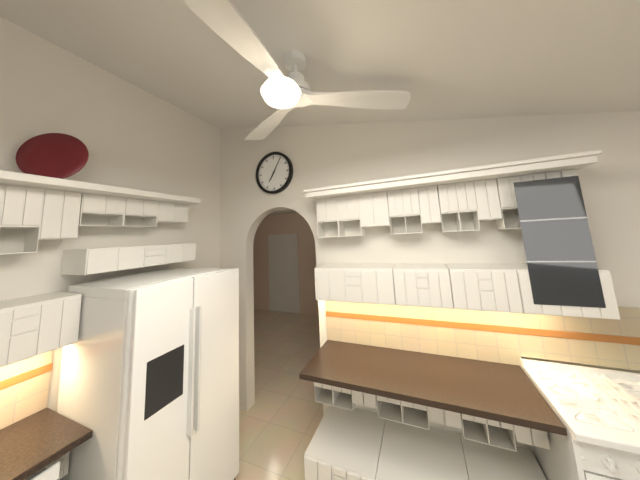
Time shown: **7:05**
